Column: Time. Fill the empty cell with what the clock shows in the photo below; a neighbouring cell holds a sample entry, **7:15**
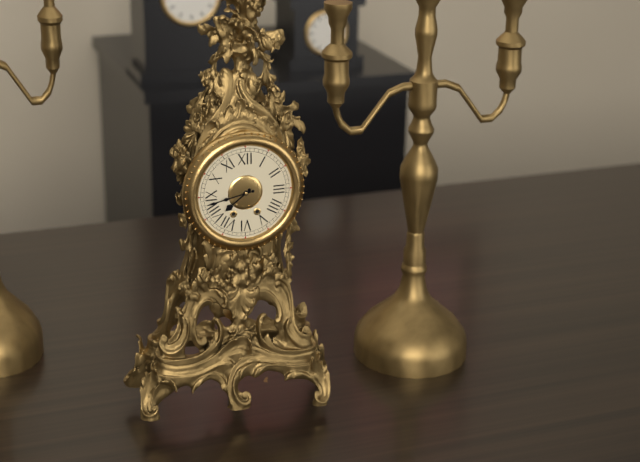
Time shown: **7:43**
